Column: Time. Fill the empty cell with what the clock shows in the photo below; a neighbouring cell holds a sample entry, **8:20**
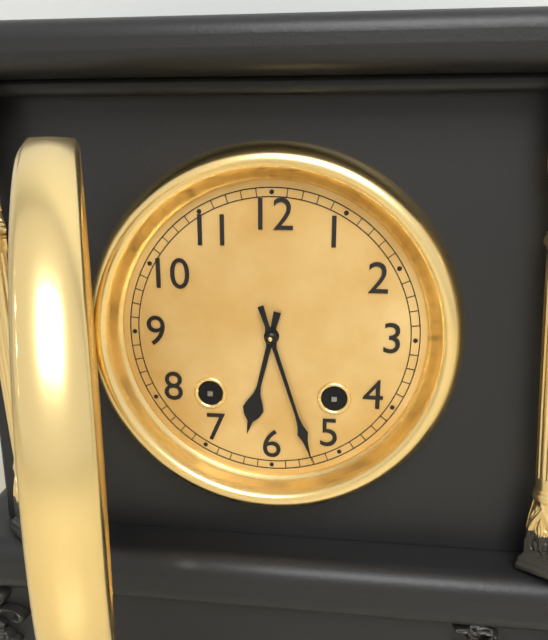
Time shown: **6:27**
